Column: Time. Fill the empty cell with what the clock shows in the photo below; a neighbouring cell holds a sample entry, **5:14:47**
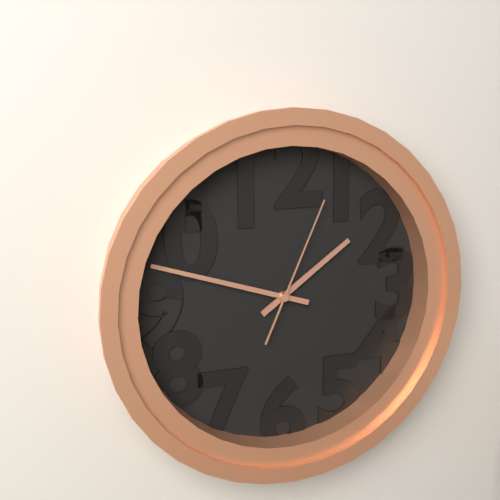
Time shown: **1:48:04**
